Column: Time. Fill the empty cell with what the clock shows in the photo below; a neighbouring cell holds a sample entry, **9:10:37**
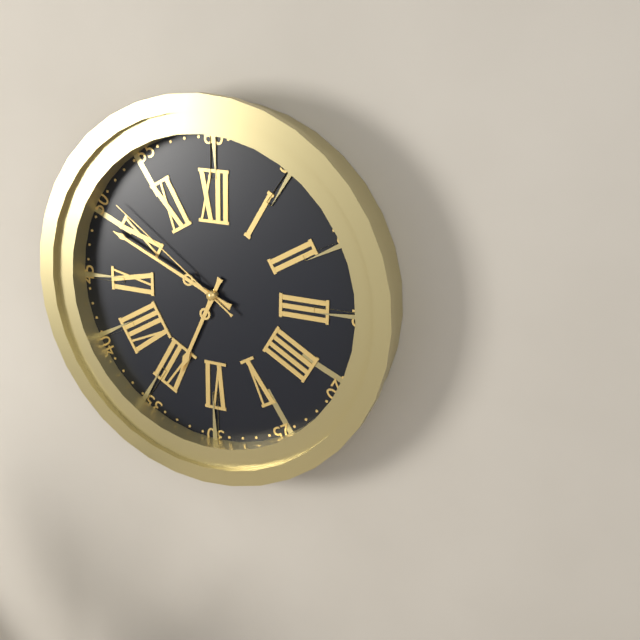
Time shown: **6:49:51**
